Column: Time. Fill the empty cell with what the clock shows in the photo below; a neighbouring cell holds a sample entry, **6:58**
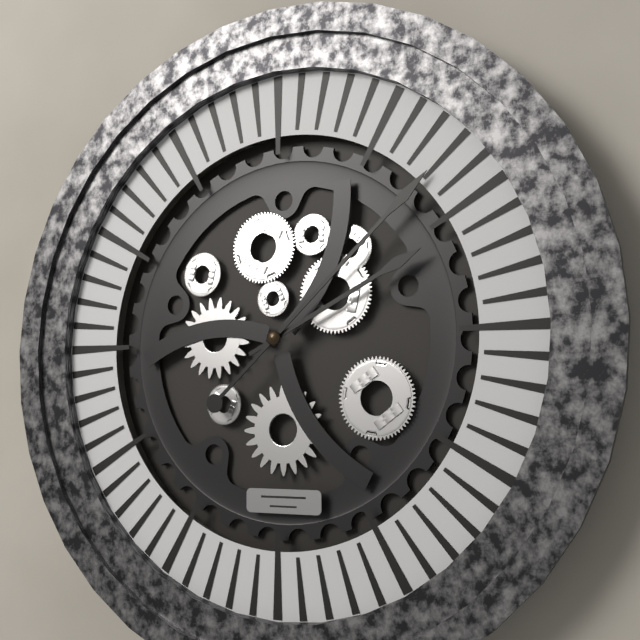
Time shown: **2:08**
